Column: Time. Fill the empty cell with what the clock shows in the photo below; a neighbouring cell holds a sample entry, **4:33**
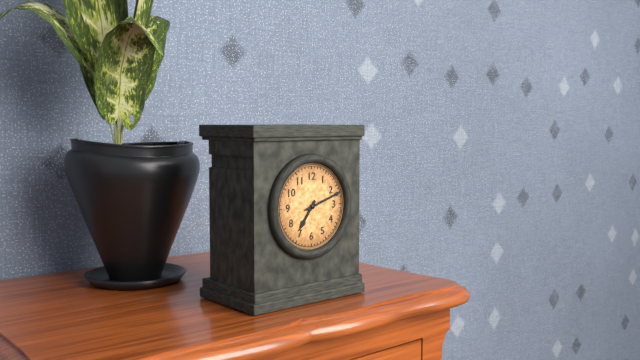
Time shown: **7:12**
